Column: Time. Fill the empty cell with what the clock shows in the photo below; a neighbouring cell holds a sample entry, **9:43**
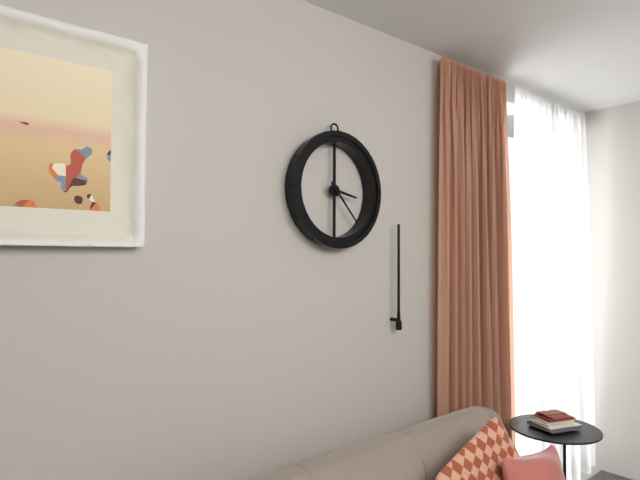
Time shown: **3:23**
